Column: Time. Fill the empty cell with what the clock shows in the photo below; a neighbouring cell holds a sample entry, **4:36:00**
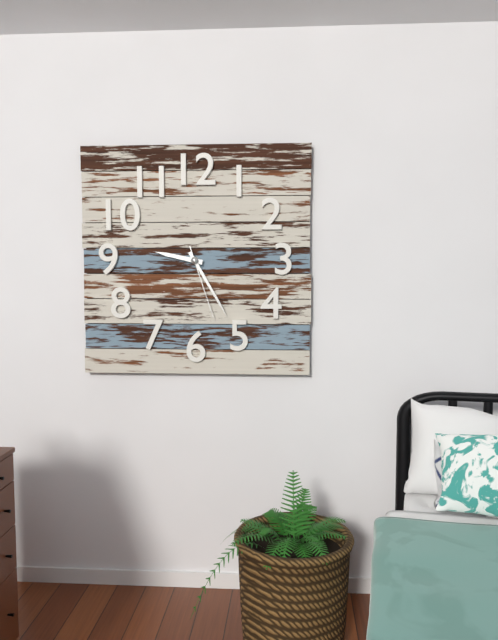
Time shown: **9:25:27**
